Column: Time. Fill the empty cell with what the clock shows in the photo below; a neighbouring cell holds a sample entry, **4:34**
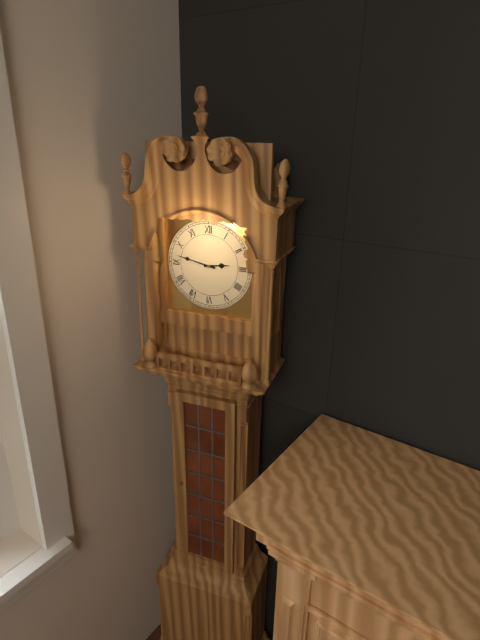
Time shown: **2:47**
